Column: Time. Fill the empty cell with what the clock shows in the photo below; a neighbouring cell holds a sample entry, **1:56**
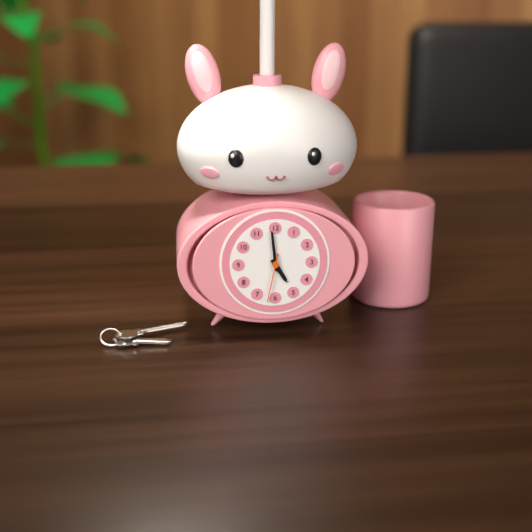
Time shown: **4:59**
